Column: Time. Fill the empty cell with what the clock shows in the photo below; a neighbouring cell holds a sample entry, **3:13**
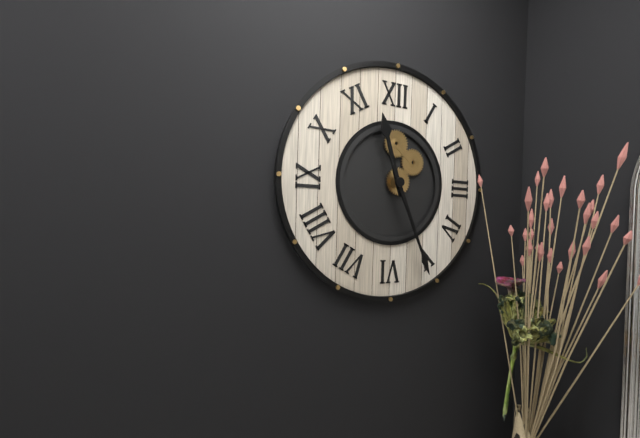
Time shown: **11:26**
